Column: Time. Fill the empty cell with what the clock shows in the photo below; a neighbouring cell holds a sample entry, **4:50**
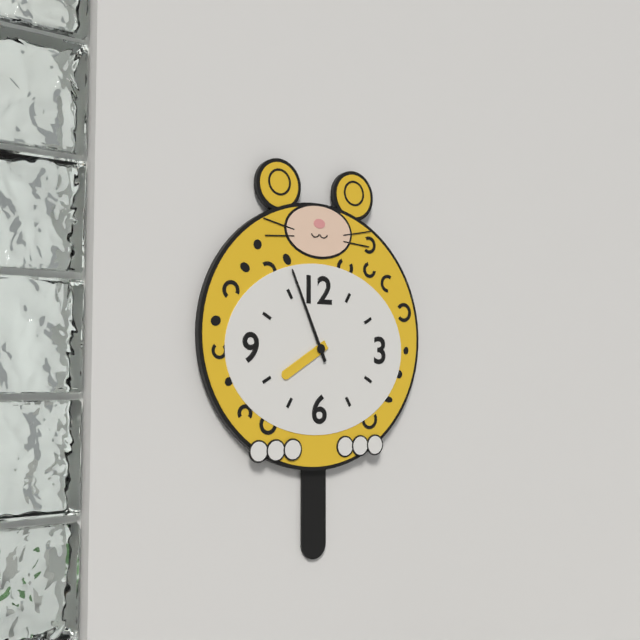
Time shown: **7:56**
